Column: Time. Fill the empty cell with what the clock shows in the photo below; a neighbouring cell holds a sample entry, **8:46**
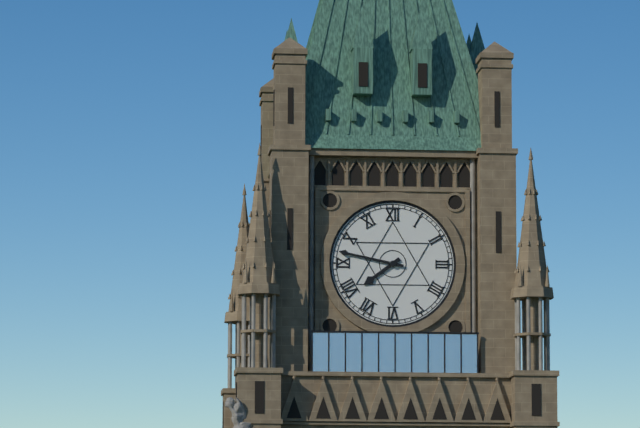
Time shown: **7:47**
